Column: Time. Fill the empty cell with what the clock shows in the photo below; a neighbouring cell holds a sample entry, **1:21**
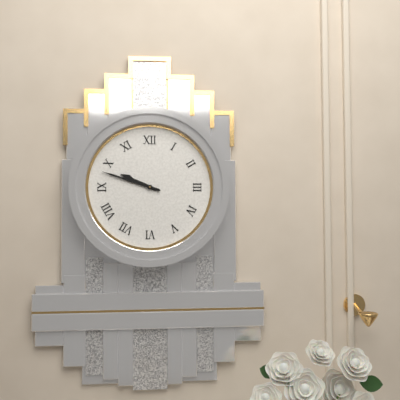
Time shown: **9:48**
